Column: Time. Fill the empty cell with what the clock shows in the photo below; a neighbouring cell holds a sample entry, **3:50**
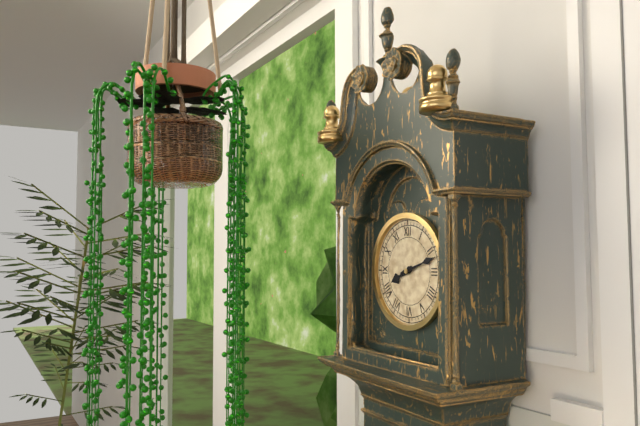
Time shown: **8:12**
